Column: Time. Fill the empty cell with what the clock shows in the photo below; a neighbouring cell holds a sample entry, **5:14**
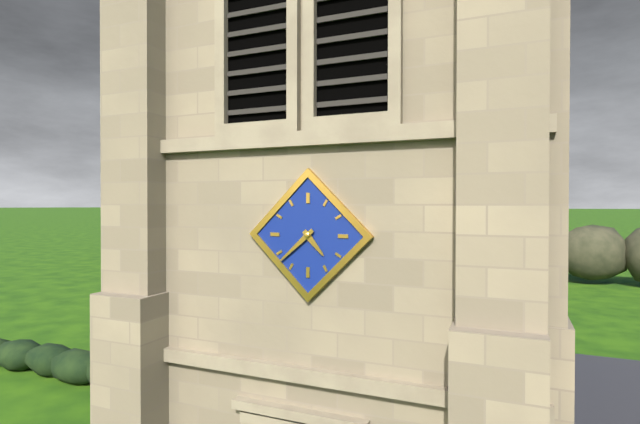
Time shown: **4:38**
